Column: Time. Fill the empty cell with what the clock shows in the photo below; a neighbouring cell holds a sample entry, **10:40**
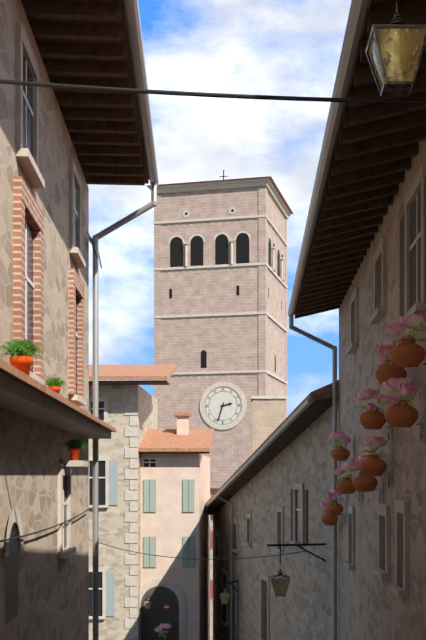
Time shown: **2:33**
